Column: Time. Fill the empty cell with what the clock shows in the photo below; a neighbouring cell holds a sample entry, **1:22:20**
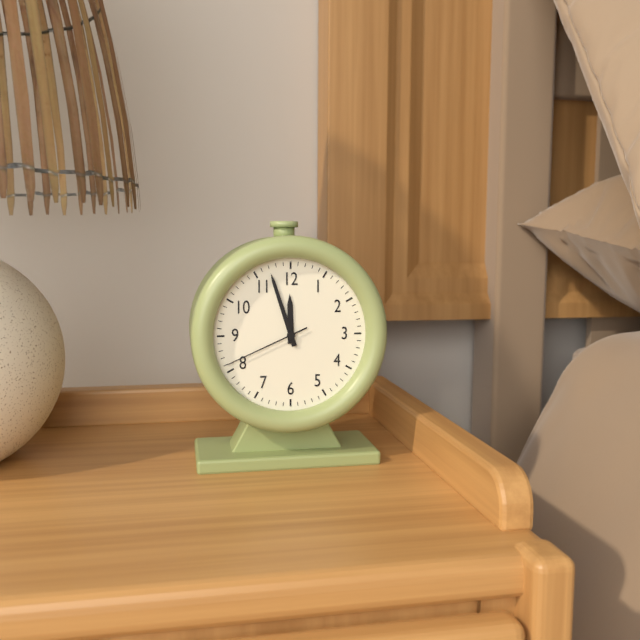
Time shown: **11:57:41**
